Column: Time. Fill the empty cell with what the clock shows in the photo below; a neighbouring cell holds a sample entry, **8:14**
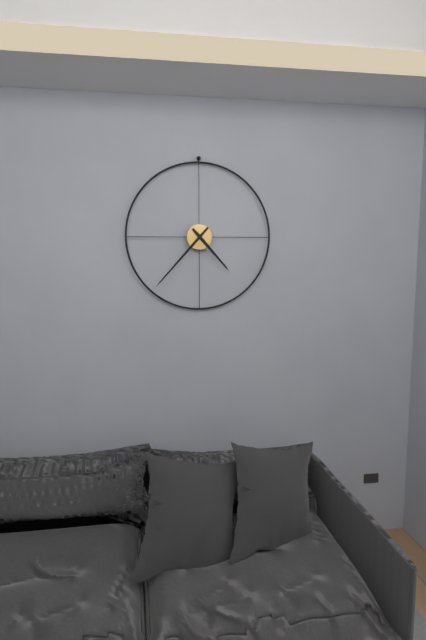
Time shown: **4:37**
